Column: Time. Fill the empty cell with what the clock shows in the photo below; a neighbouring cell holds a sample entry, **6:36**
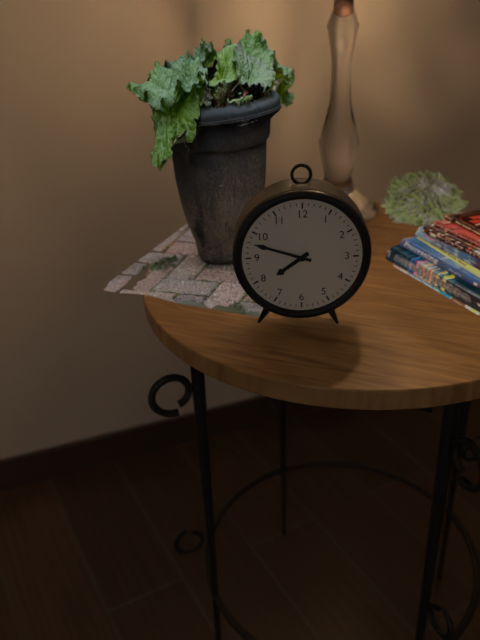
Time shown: **7:48**
